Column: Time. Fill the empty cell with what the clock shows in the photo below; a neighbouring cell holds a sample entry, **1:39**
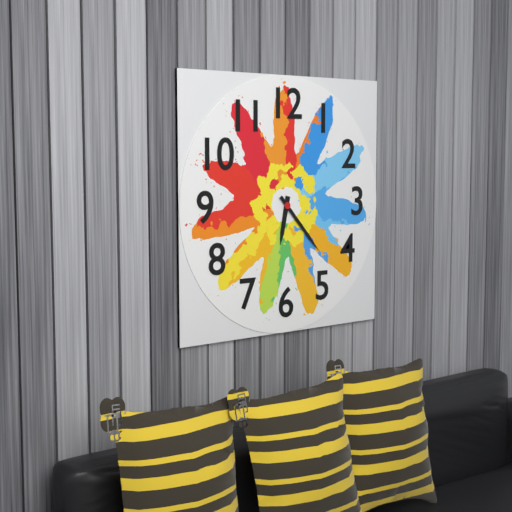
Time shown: **6:23**
